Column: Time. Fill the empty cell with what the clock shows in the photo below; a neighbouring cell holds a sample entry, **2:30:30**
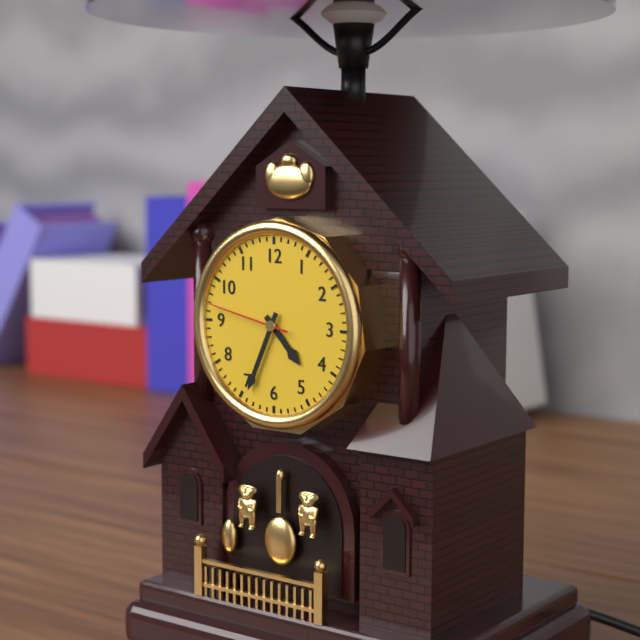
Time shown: **4:34:47**
